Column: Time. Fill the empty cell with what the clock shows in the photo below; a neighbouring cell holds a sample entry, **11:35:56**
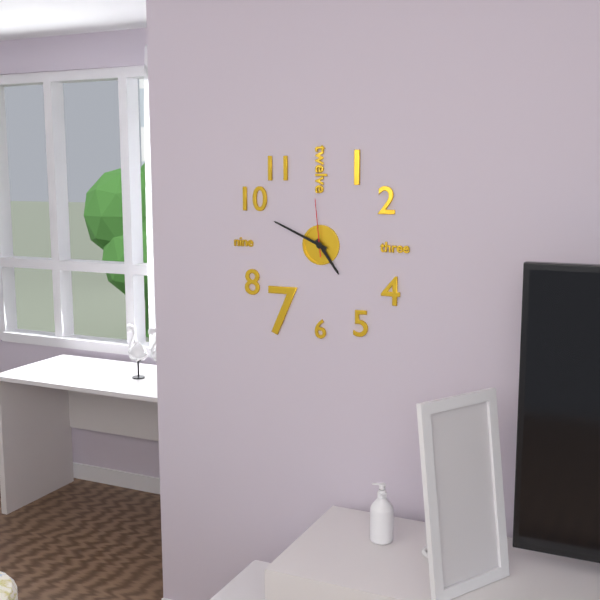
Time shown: **4:49:59**
